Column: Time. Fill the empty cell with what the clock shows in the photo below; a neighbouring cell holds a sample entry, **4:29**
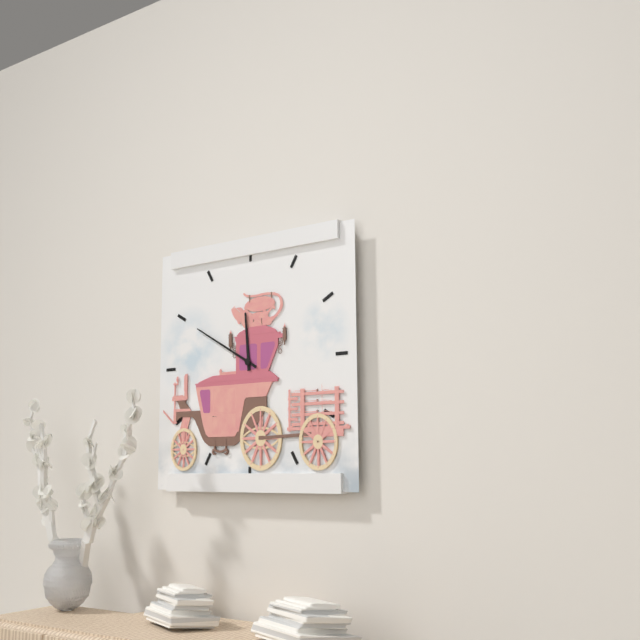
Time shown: **11:50**
